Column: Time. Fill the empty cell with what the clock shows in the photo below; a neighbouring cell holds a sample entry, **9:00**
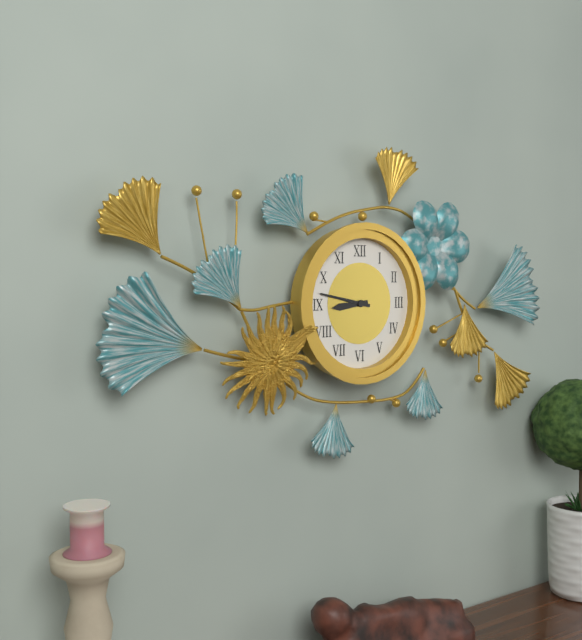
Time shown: **8:47**
